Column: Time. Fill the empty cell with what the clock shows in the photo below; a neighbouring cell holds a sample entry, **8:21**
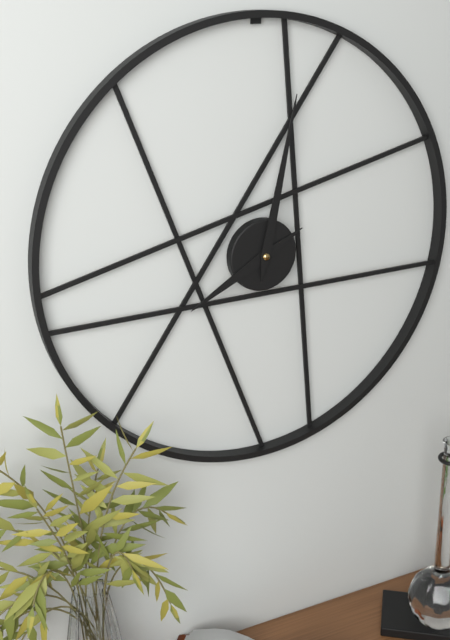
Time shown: **8:02**
